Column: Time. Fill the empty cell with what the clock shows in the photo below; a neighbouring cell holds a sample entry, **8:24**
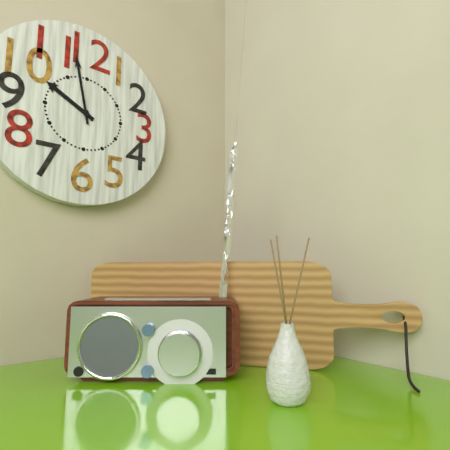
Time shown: **9:58**
